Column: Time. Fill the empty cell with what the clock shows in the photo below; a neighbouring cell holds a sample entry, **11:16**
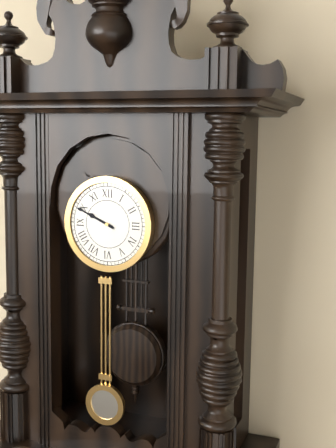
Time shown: **9:49**
